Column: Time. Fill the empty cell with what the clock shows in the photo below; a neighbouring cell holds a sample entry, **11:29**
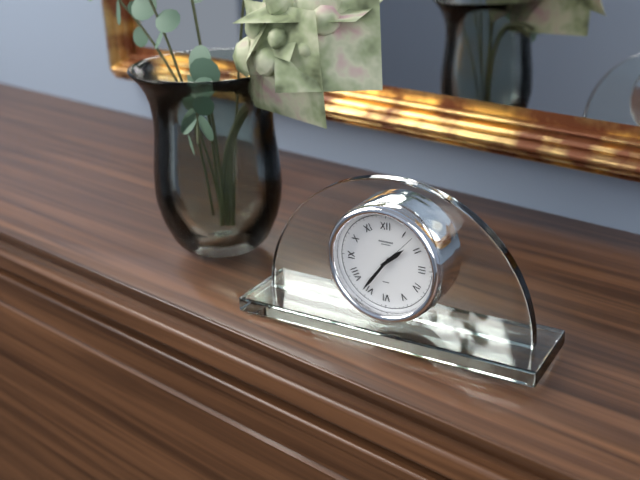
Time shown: **1:36**
